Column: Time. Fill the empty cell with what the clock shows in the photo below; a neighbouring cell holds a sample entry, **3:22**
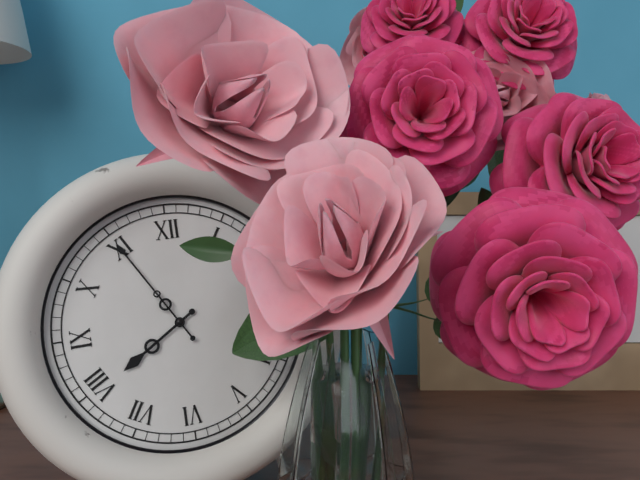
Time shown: **7:55**
